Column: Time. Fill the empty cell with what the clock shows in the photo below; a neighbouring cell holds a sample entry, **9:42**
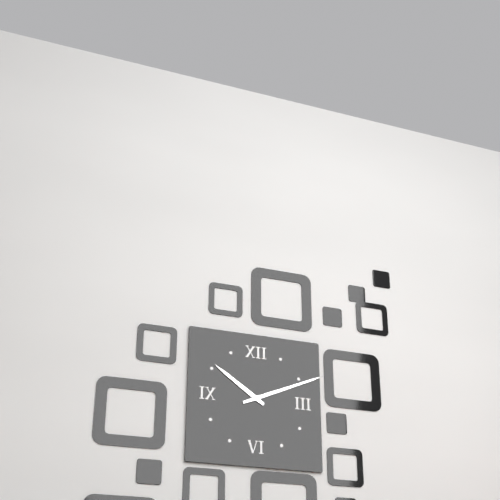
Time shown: **10:11**
